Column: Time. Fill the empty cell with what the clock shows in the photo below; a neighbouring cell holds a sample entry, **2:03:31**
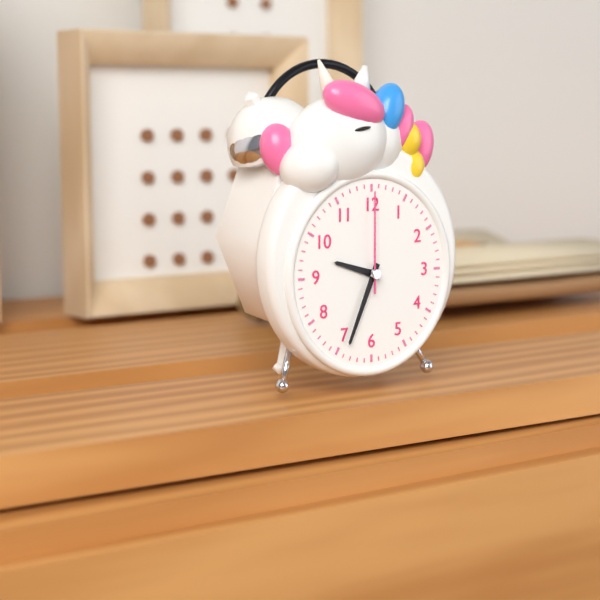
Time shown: **9:34:00**
